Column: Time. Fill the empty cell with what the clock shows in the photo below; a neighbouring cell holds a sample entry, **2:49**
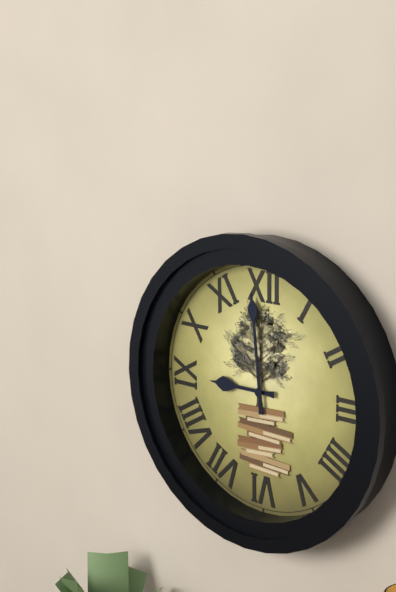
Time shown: **8:59**
